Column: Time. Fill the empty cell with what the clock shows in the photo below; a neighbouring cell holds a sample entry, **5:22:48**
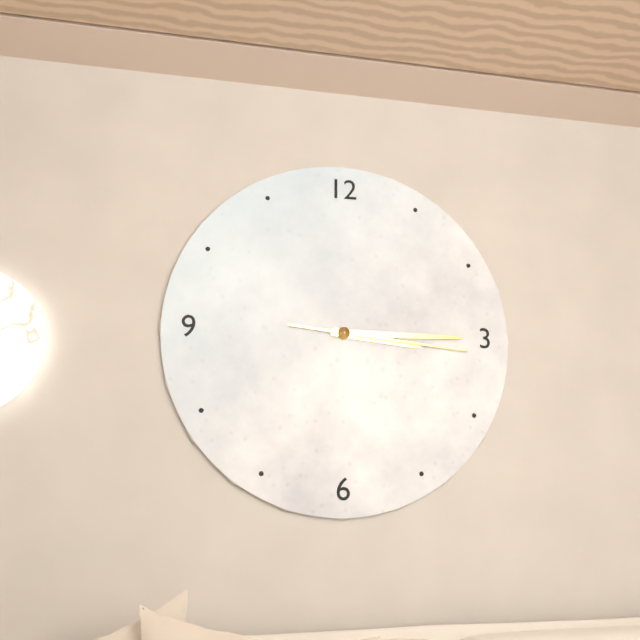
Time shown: **3:15:16**
